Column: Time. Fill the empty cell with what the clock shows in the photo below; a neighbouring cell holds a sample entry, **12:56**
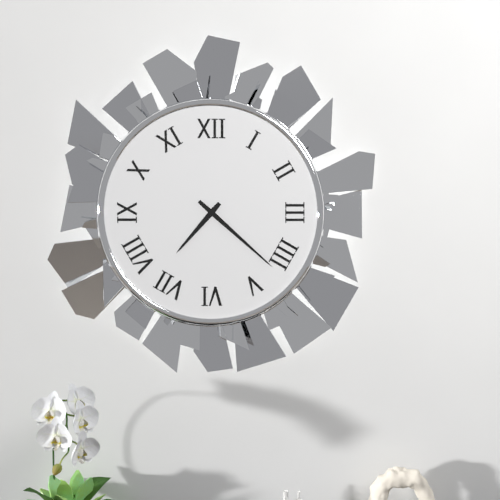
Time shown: **7:22**
